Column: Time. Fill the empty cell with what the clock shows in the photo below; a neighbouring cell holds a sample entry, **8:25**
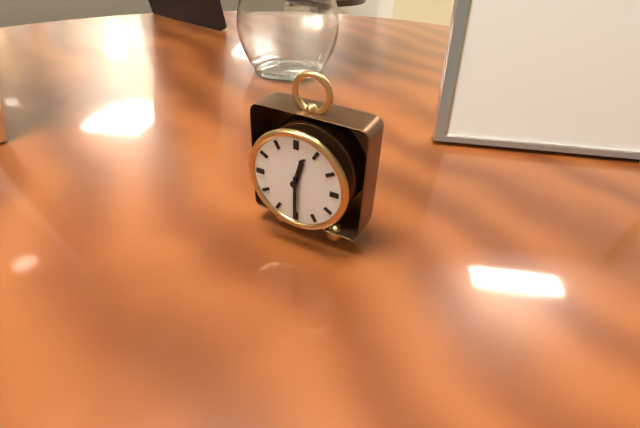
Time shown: **12:30**
